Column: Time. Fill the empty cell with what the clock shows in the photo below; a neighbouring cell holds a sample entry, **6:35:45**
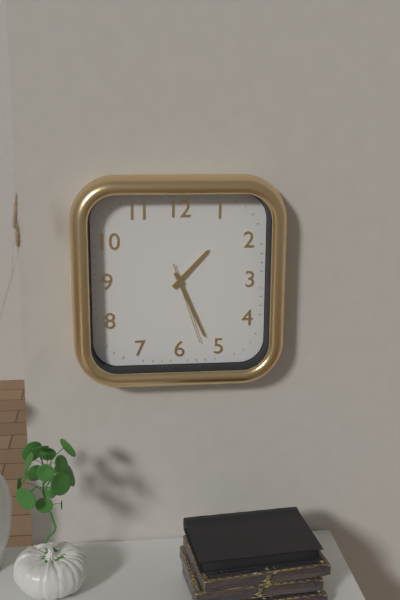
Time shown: **1:26:27**
